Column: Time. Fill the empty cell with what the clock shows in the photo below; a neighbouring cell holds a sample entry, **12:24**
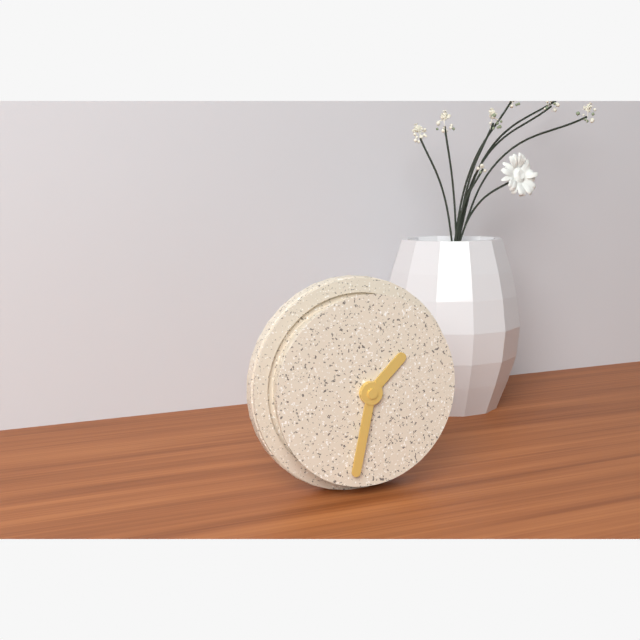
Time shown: **1:32**
